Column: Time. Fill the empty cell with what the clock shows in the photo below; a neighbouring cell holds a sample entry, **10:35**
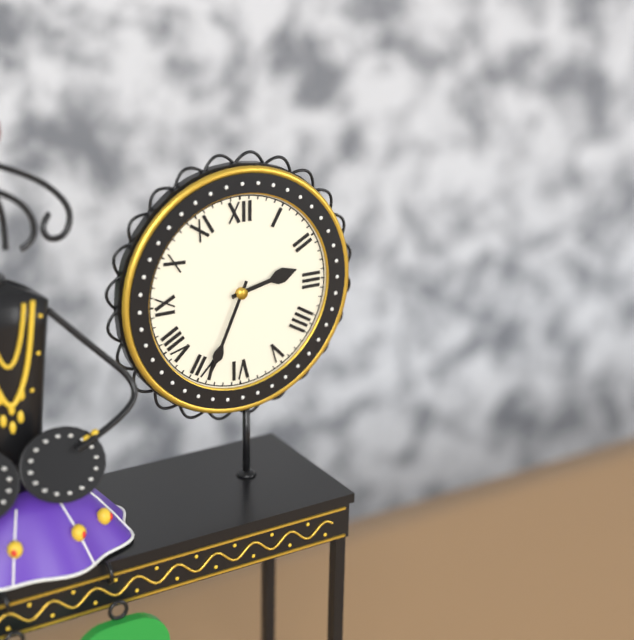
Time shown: **2:34**
